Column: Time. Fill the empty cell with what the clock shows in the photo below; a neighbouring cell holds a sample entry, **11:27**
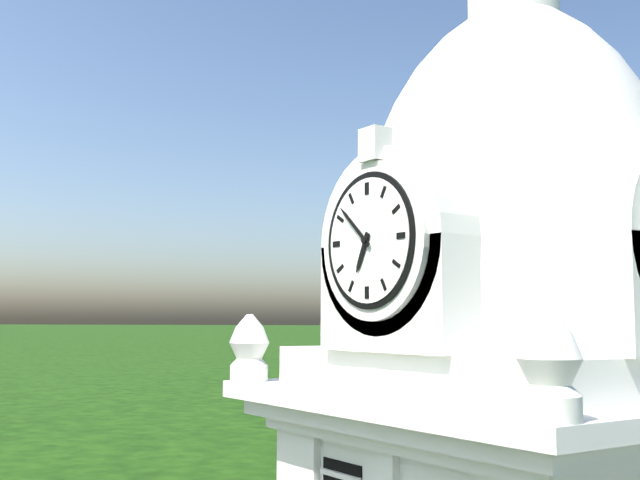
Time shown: **6:52**
